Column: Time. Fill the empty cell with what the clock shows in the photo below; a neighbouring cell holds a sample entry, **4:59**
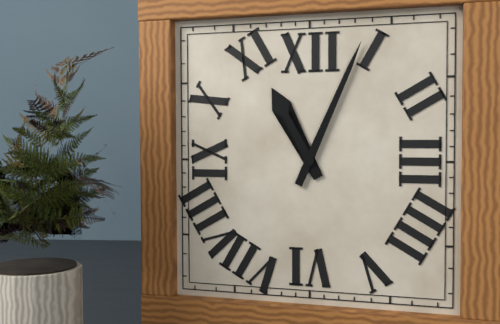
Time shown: **11:04**
